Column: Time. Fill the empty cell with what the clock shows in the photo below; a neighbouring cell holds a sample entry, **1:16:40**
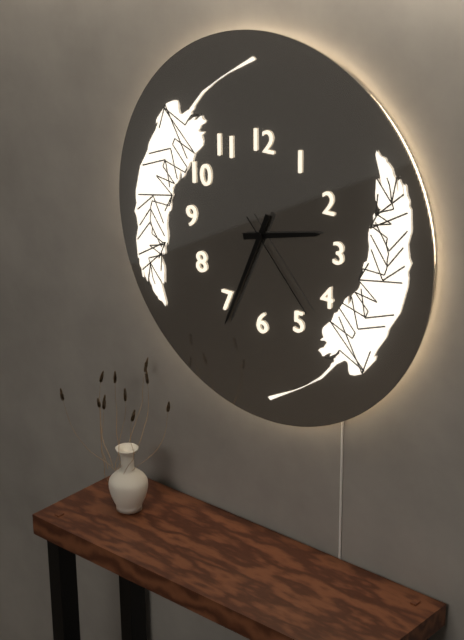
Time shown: **2:34:23**
